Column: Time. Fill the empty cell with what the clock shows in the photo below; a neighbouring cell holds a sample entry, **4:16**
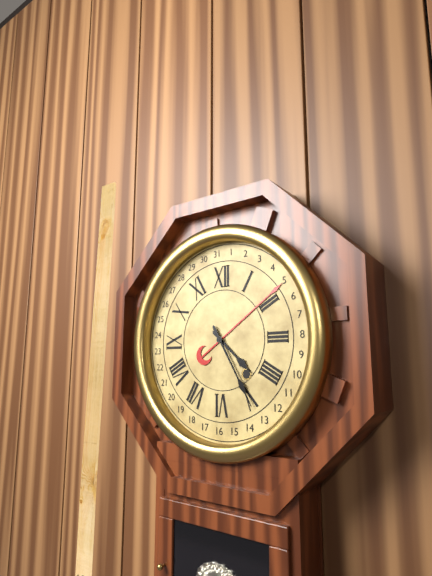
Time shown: **4:25**
